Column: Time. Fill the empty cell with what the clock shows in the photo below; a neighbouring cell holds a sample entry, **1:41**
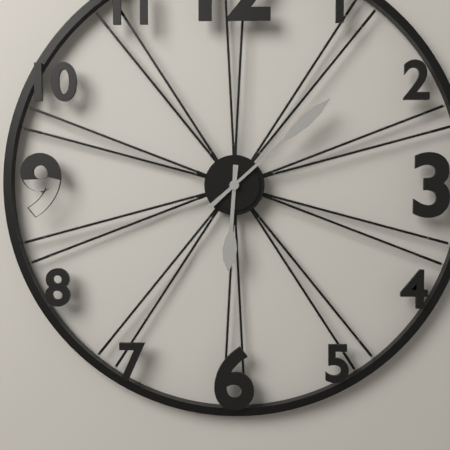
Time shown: **6:08**
